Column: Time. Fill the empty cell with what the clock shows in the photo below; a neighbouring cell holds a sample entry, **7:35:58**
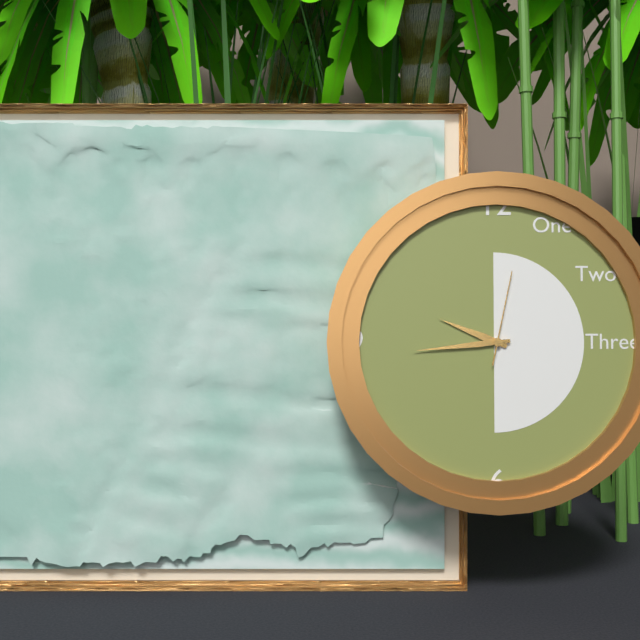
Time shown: **9:44:02**
